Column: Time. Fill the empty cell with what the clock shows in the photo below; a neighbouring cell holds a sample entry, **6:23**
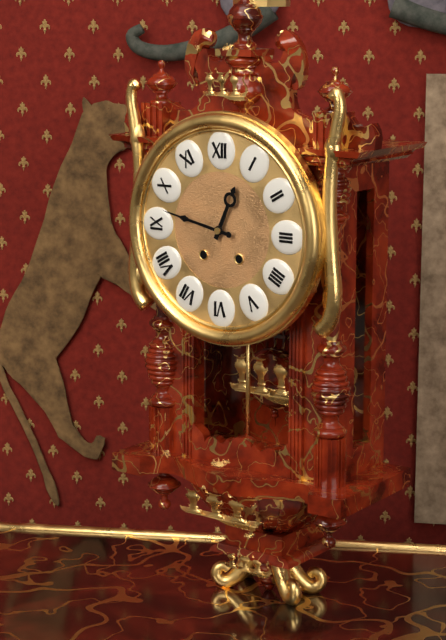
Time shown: **12:47**
